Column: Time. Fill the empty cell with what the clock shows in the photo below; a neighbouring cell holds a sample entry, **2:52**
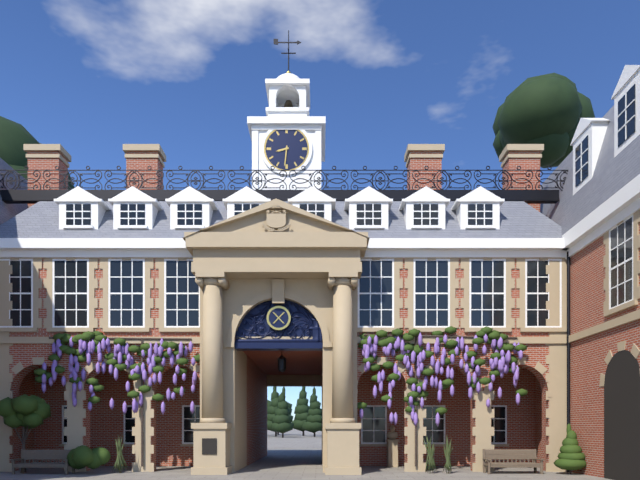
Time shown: **8:31**
